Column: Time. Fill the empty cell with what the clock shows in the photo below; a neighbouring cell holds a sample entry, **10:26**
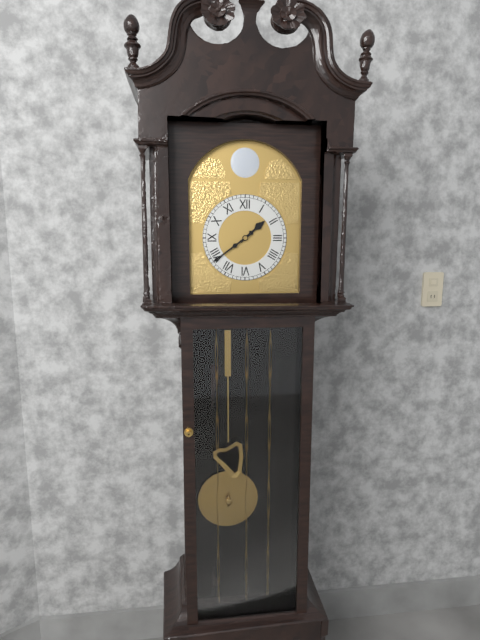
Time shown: **1:39**
